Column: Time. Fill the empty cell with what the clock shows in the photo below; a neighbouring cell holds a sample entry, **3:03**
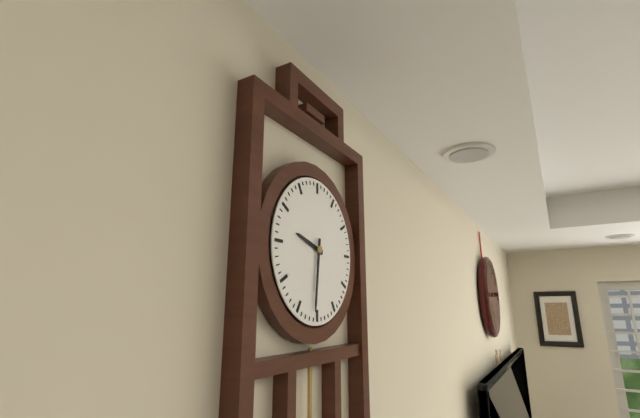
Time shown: **9:31**
